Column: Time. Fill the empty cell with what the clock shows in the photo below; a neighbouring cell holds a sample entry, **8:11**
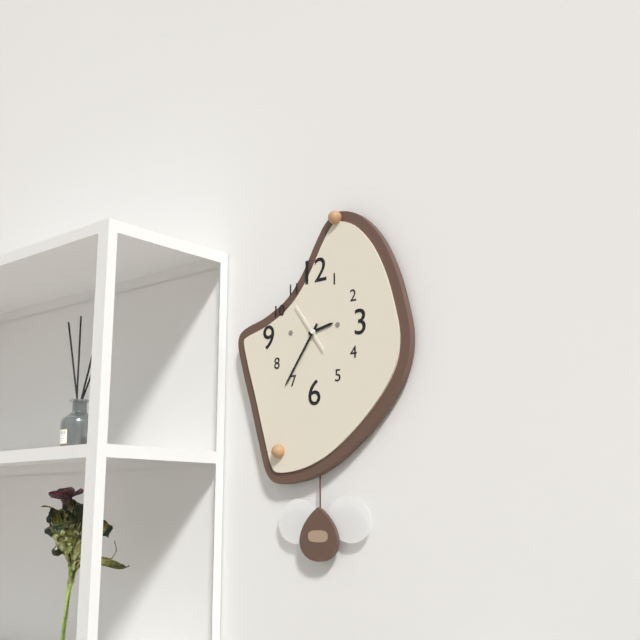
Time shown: **2:36**
